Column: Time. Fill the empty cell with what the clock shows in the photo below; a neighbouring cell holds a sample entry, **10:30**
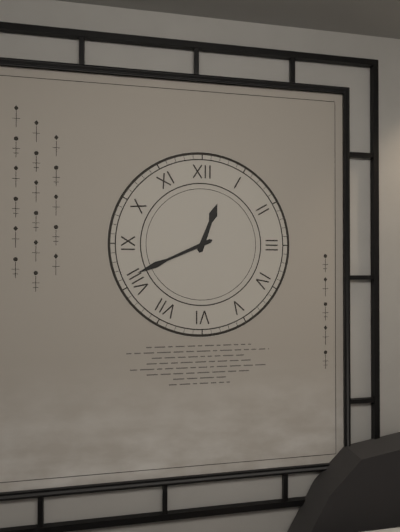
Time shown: **12:41**
